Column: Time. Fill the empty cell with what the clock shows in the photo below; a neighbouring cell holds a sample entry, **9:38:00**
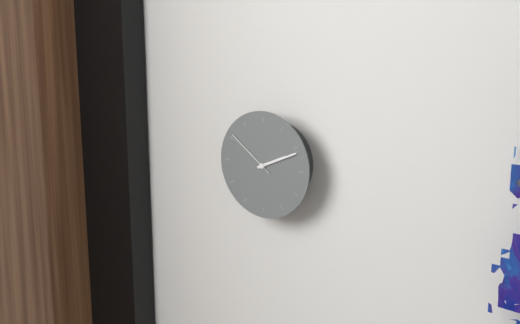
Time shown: **2:11:51**
